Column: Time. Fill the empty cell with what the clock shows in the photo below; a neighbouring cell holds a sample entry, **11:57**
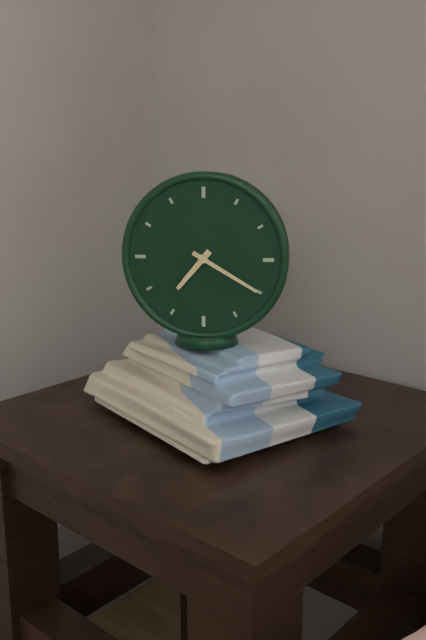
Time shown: **7:20**
